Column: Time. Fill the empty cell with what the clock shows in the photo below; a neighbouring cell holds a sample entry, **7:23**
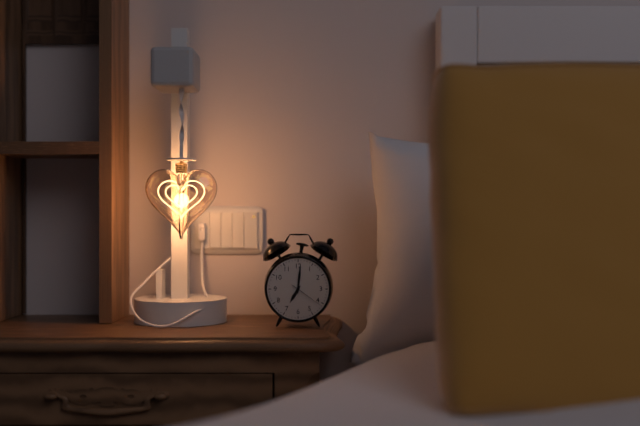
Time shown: **7:01**
